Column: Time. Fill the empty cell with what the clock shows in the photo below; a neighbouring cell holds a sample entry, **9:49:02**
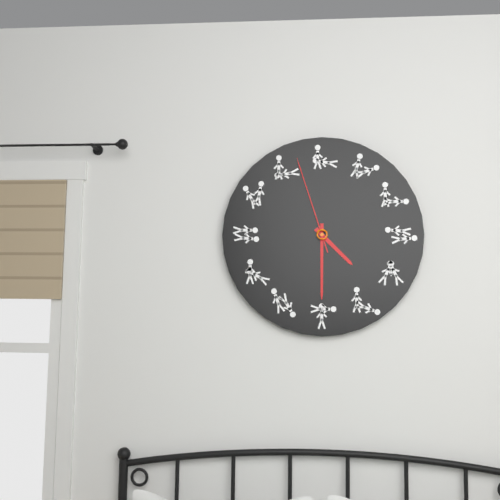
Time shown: **4:30:57**
